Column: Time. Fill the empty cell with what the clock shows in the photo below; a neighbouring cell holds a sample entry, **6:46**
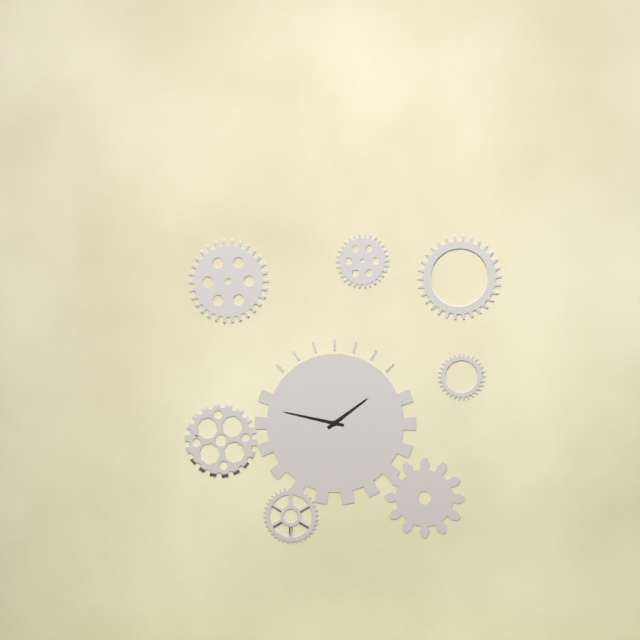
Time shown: **1:47**
